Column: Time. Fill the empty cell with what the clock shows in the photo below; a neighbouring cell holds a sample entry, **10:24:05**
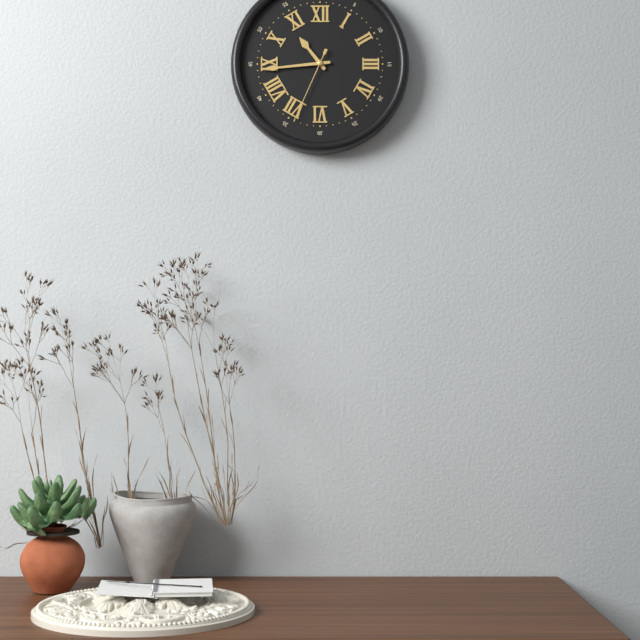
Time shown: **10:44:34**
